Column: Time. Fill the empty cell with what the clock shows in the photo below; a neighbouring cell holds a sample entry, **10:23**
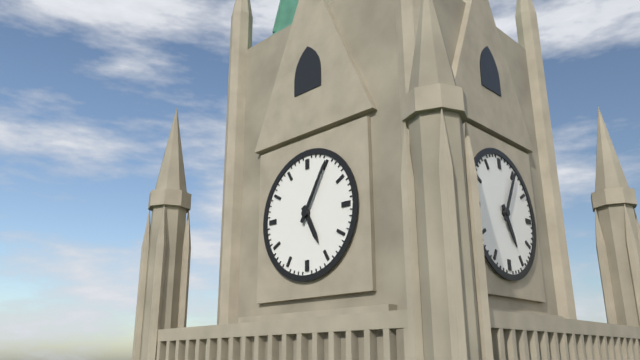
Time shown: **5:05**
